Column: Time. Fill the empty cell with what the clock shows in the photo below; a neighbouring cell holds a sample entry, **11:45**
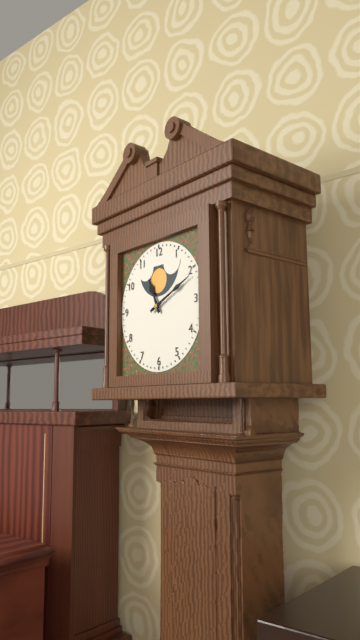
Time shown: **11:11**
